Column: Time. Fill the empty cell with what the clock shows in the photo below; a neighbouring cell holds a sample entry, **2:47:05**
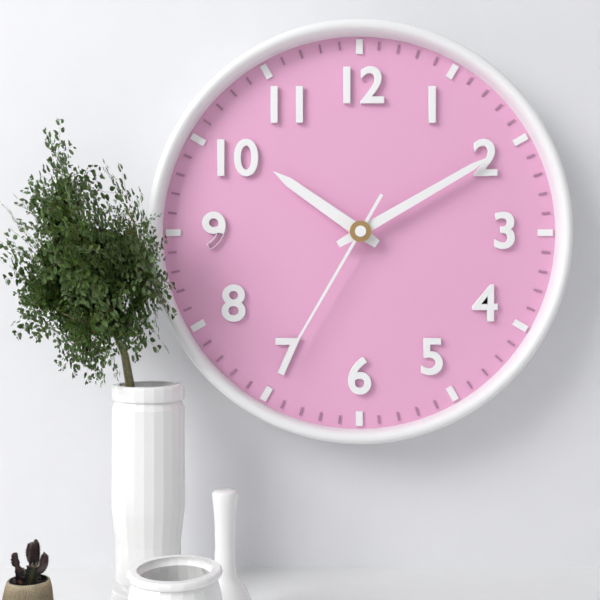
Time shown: **10:10:35**
